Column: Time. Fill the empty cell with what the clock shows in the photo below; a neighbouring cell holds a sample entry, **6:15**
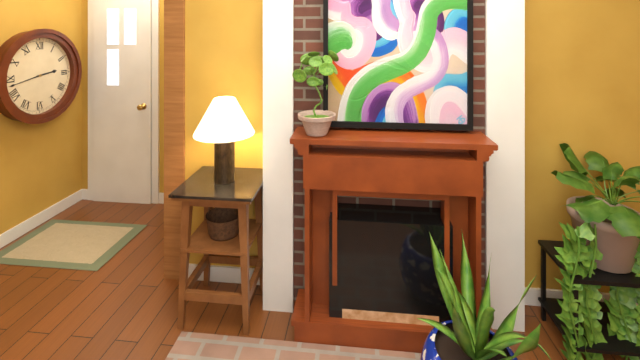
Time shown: **2:43**
